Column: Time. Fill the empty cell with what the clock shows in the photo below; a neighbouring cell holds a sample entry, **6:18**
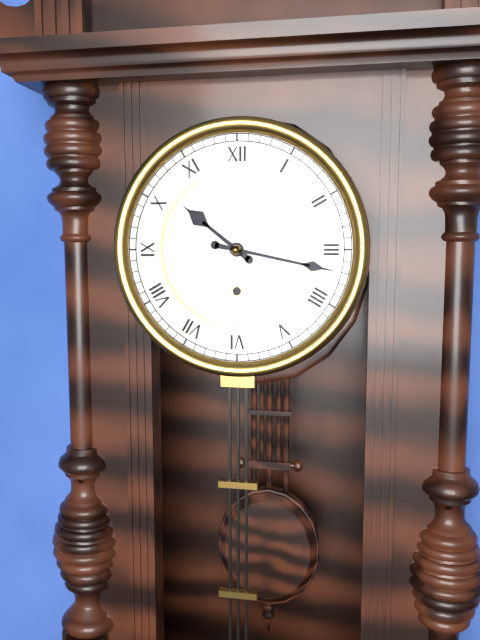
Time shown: **10:17**
